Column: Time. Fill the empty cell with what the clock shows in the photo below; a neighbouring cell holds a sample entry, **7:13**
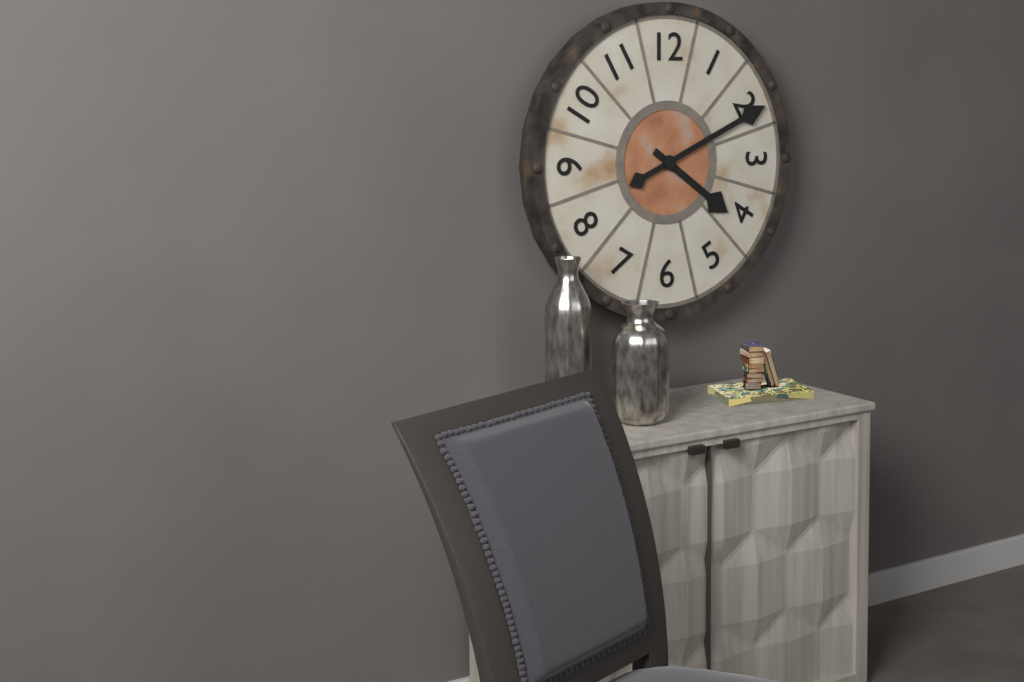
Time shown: **4:11**
